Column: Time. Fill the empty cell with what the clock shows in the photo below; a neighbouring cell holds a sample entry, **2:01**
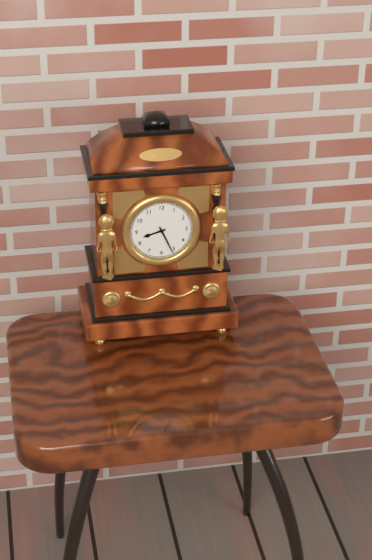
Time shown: **8:26**
